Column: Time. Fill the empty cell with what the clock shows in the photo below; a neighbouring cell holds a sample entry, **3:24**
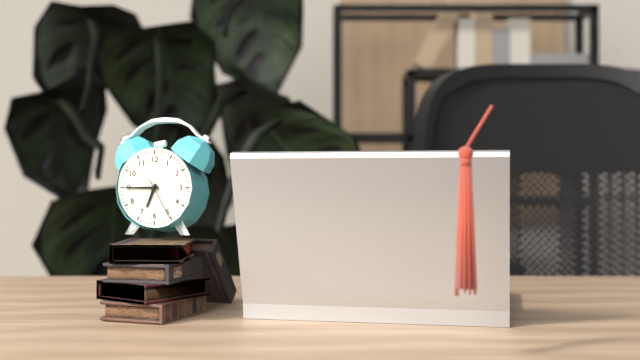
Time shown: **6:45**
